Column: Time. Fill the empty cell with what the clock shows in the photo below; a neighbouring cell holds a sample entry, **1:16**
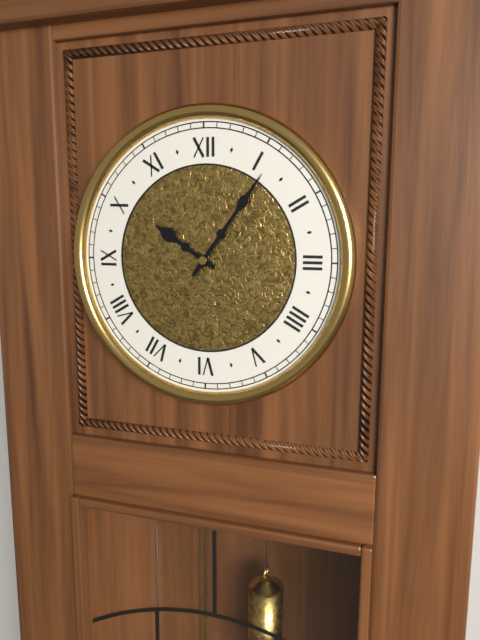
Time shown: **10:06**
